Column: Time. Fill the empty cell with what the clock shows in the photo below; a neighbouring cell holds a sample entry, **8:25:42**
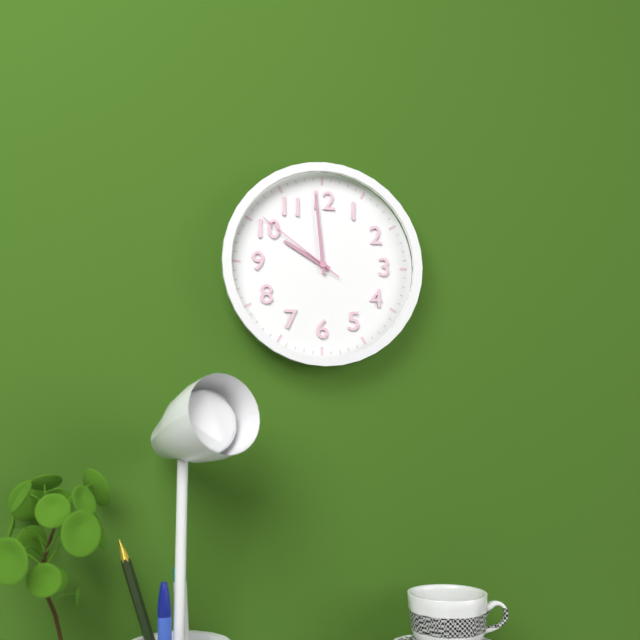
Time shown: **9:59:51**
